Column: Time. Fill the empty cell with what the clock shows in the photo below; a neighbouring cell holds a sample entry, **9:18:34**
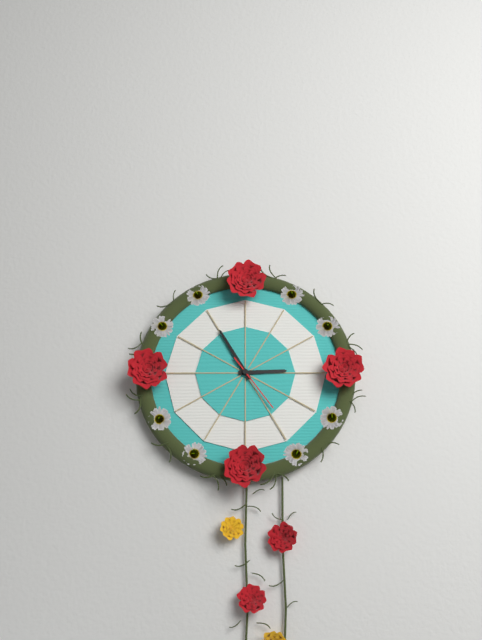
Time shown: **2:55:24**
